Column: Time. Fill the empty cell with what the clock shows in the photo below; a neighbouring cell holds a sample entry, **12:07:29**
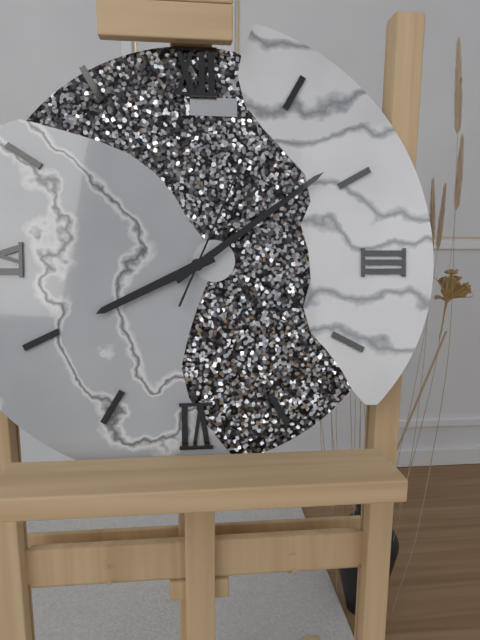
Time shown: **8:09:04**
